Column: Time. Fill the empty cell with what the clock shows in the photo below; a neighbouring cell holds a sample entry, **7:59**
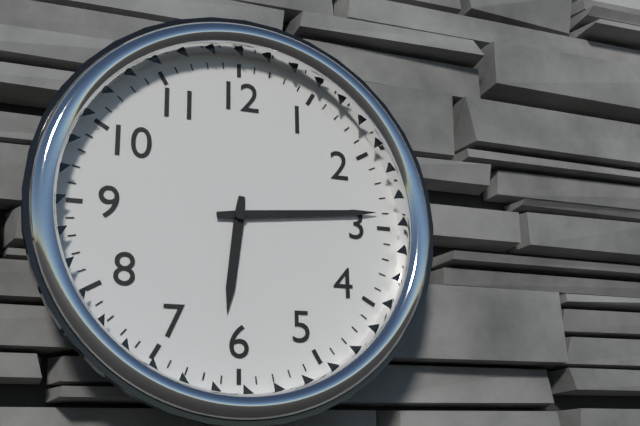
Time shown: **6:14**
